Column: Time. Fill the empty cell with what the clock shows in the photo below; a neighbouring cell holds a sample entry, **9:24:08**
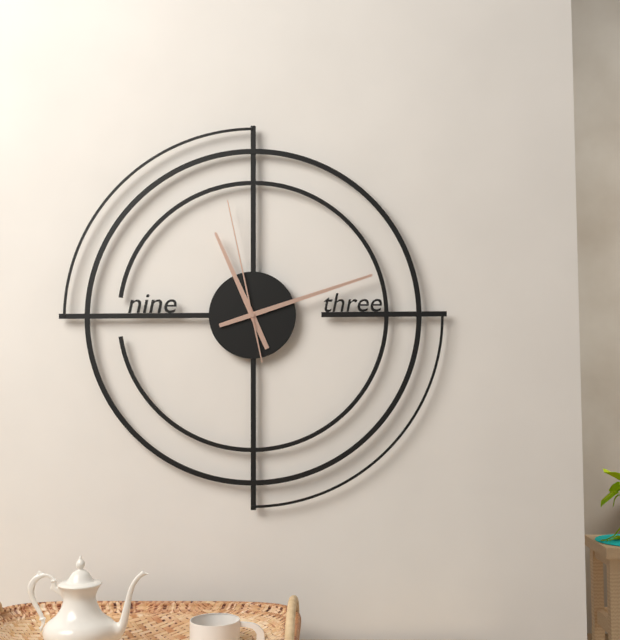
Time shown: **11:12:58**
